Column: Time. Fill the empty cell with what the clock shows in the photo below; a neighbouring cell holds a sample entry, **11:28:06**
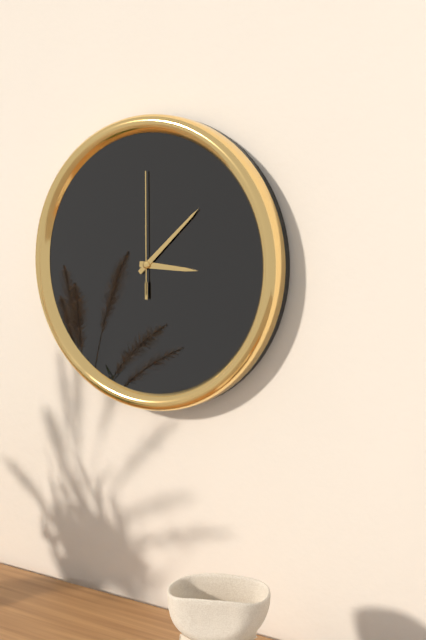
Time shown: **3:08:00**
